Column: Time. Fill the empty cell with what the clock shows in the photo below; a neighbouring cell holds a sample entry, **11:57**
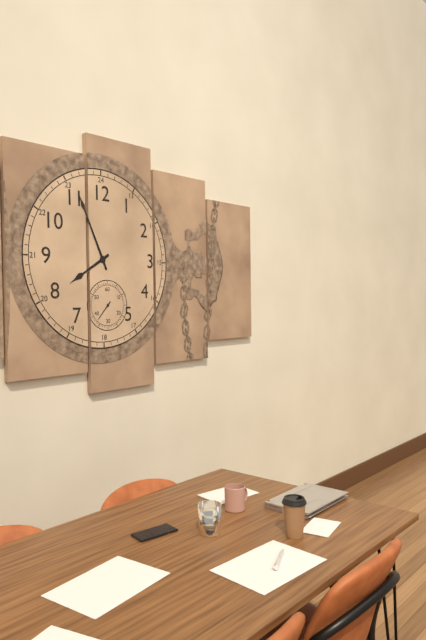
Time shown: **7:56**
